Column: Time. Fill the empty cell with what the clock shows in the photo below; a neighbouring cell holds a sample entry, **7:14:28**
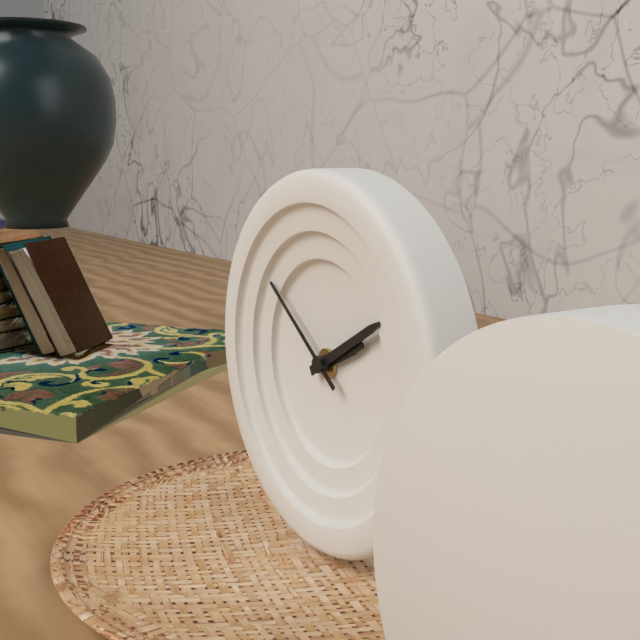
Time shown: **2:10:51**
